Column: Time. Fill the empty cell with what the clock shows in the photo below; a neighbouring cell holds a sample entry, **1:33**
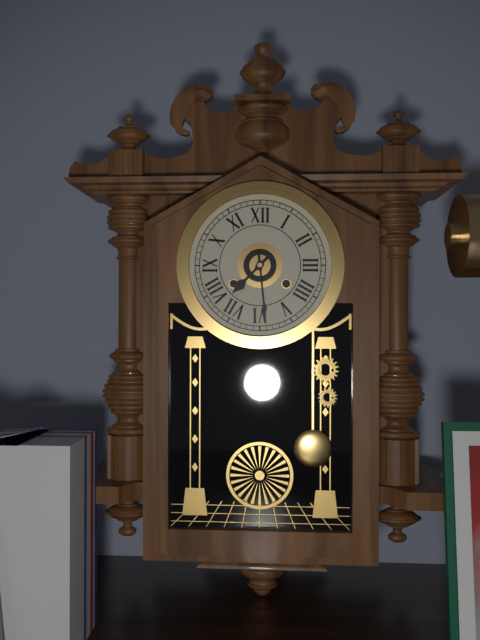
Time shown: **7:29**
